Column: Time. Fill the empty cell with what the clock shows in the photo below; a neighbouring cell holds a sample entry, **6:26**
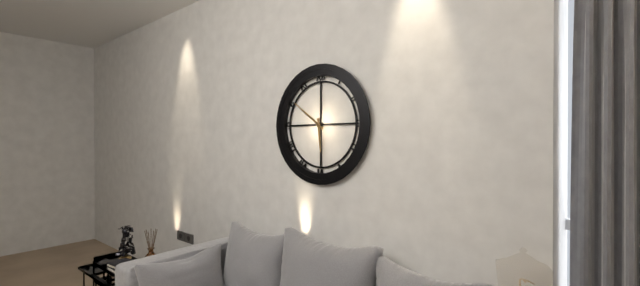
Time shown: **5:51**
